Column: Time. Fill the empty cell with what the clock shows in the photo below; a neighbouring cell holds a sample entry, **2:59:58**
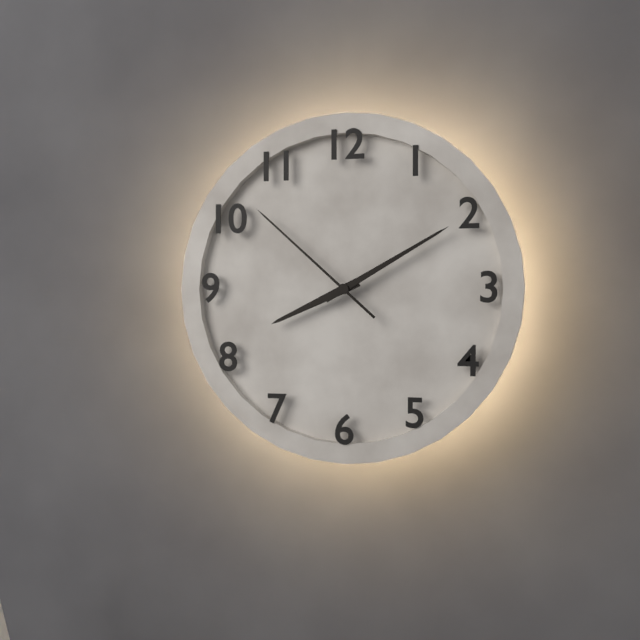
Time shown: **8:10:52**
